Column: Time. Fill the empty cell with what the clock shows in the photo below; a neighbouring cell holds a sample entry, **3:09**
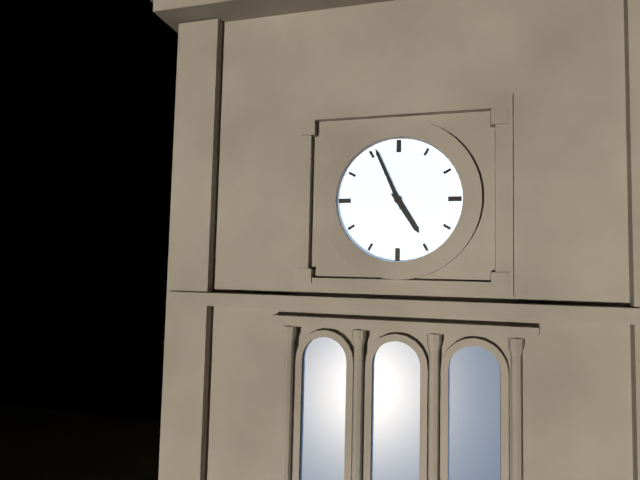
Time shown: **4:56**
